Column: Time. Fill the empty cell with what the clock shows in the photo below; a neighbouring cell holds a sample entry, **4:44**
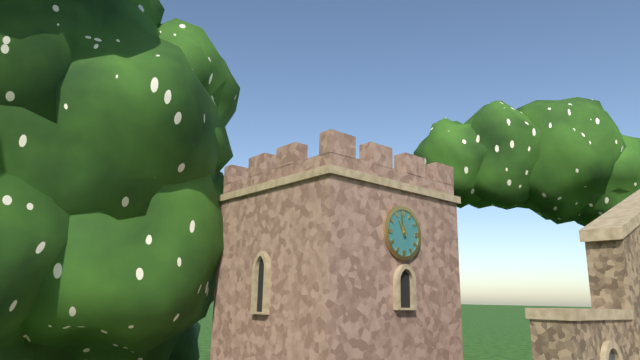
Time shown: **10:58**
